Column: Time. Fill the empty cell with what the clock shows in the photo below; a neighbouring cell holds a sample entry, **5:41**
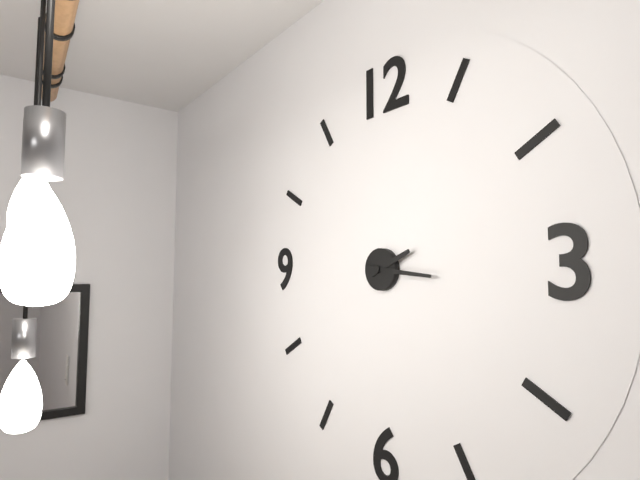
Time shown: **2:16**
